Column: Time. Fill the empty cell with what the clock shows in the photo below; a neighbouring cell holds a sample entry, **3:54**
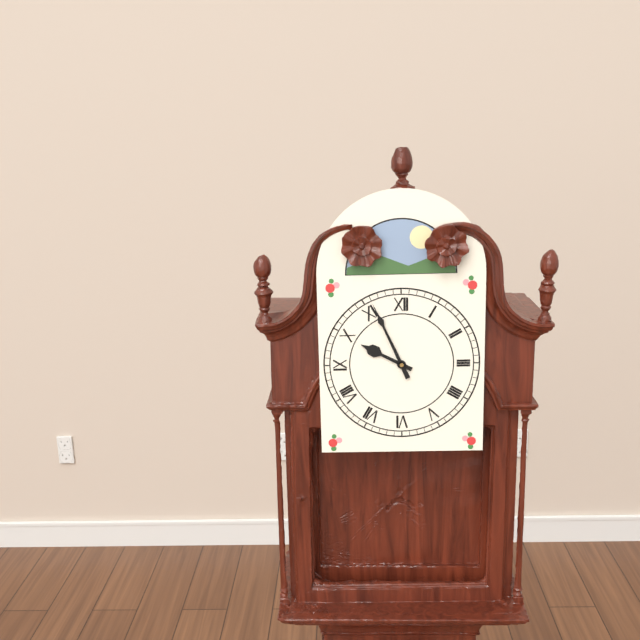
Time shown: **9:56**
